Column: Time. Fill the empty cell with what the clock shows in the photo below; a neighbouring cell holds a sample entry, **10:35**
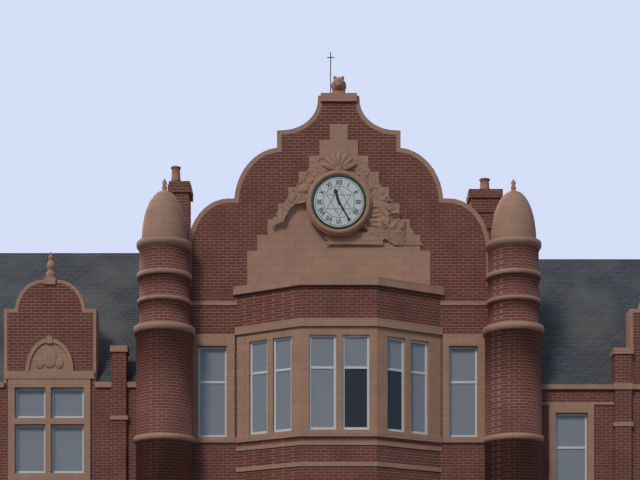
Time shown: **11:25**
